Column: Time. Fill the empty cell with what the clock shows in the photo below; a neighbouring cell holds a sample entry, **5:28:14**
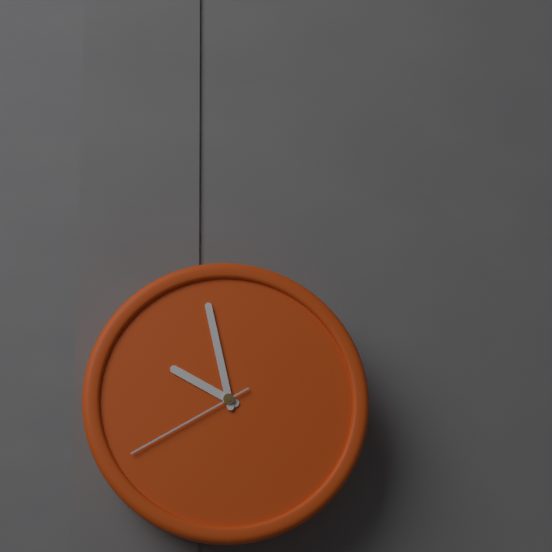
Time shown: **9:58:40**
